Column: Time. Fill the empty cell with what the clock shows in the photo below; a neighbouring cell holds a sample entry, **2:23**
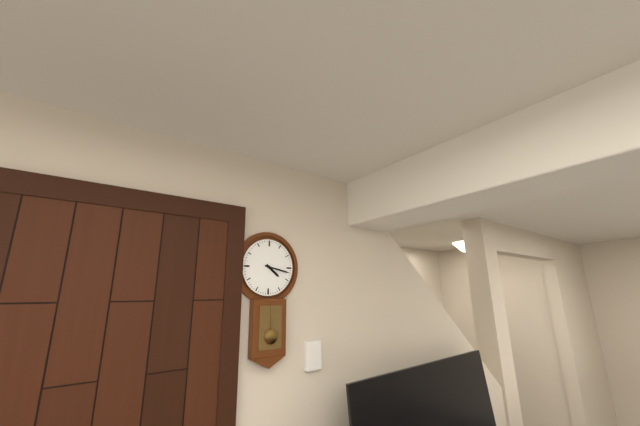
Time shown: **4:17**
